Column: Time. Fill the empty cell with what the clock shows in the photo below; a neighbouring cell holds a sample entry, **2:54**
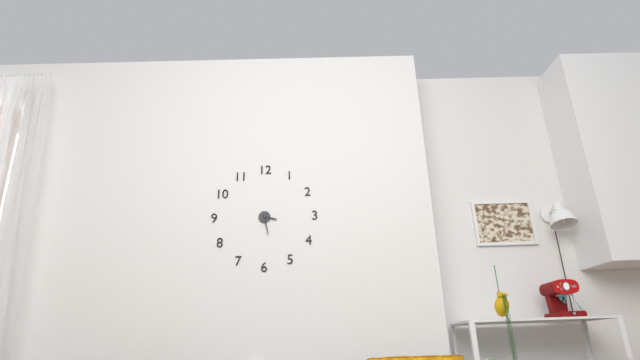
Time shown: **3:28**
